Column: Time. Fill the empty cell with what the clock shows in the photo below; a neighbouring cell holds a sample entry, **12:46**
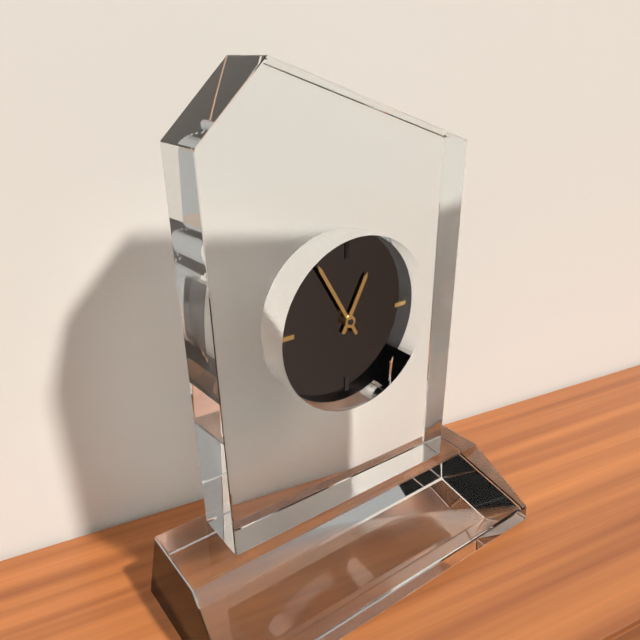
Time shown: **12:55**
